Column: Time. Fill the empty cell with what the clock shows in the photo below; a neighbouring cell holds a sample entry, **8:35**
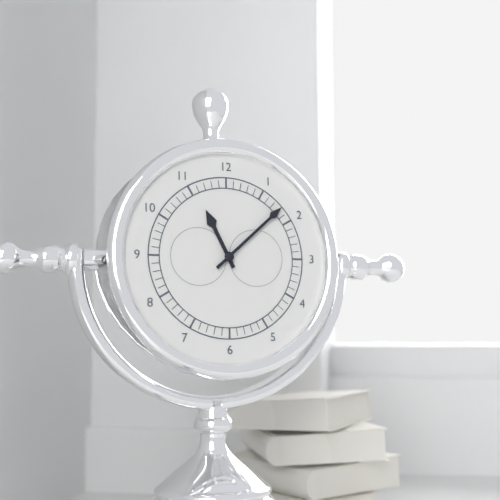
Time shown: **11:08**
